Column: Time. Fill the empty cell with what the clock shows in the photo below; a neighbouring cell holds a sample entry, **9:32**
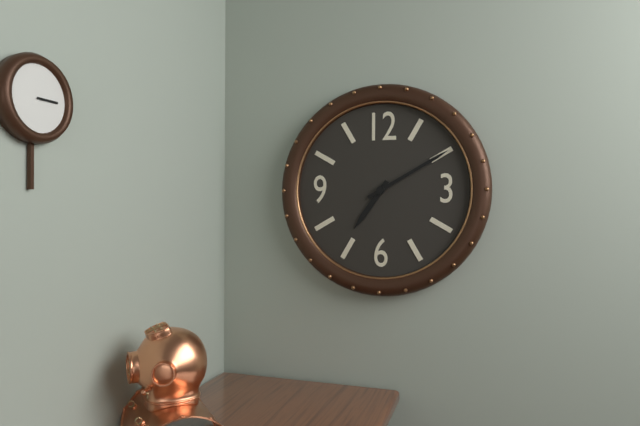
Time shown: **7:10**
